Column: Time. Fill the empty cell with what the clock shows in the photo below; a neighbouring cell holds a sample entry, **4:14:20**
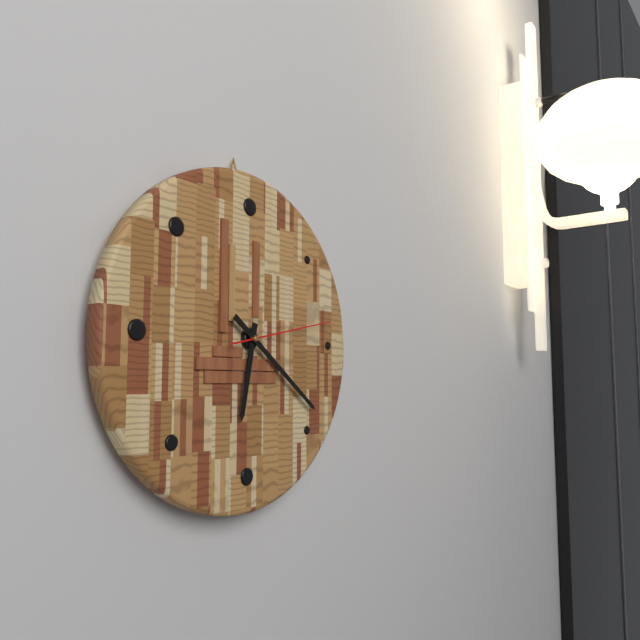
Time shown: **6:21:13**
